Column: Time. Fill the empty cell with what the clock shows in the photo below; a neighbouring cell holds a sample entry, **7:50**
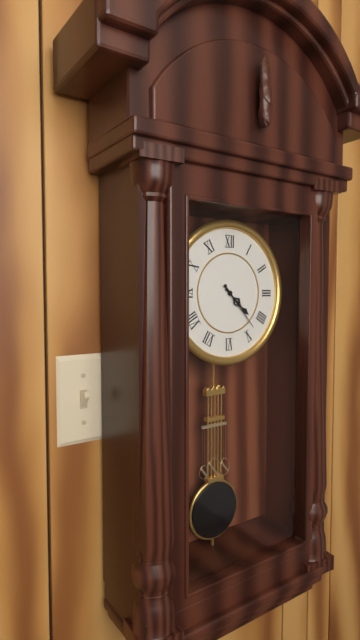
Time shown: **4:23**
